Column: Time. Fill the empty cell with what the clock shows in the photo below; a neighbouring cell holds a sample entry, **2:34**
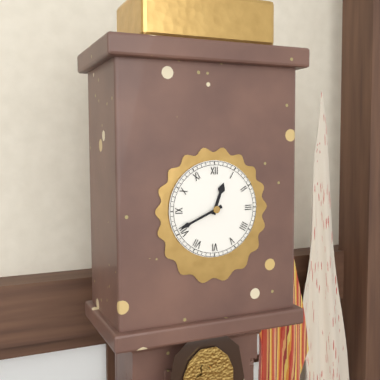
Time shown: **12:41**
